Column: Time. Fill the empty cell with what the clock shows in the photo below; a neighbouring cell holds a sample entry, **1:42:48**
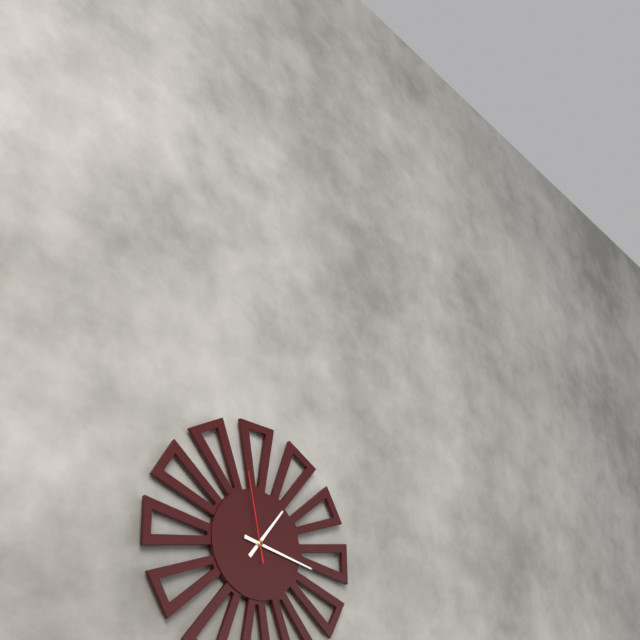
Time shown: **1:17:58**
